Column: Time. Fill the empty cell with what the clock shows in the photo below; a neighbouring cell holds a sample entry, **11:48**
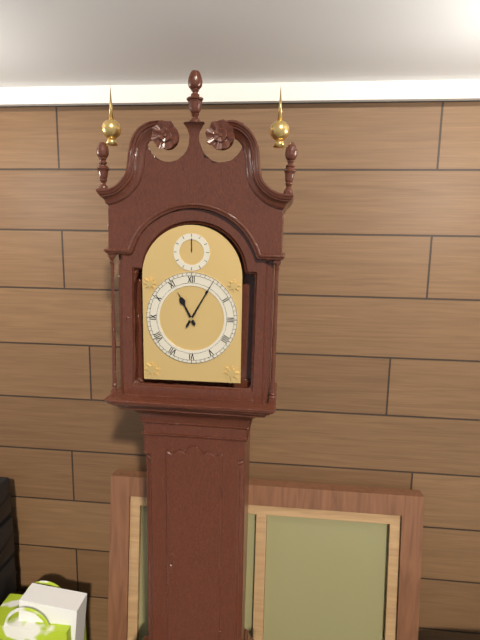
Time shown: **11:05**
